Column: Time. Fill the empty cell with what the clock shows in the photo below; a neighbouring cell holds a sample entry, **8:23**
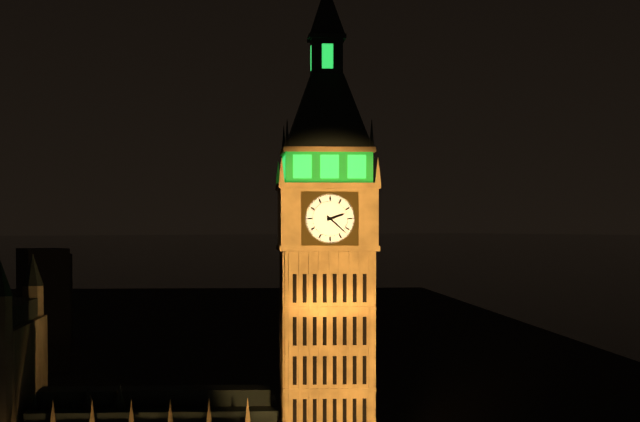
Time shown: **2:22**
